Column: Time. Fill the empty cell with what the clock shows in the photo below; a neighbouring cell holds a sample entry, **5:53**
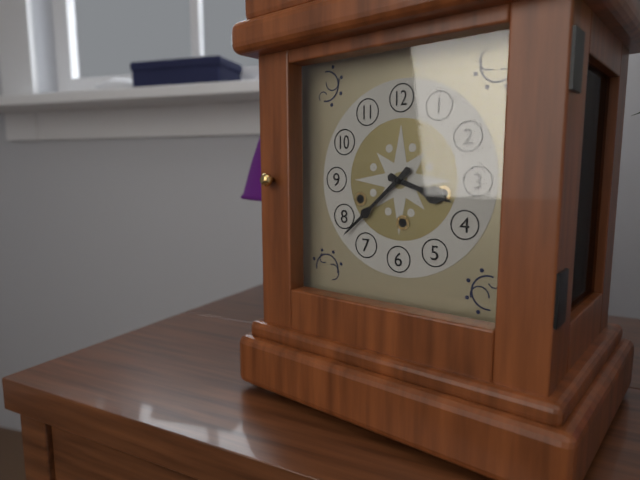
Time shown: **3:38**
